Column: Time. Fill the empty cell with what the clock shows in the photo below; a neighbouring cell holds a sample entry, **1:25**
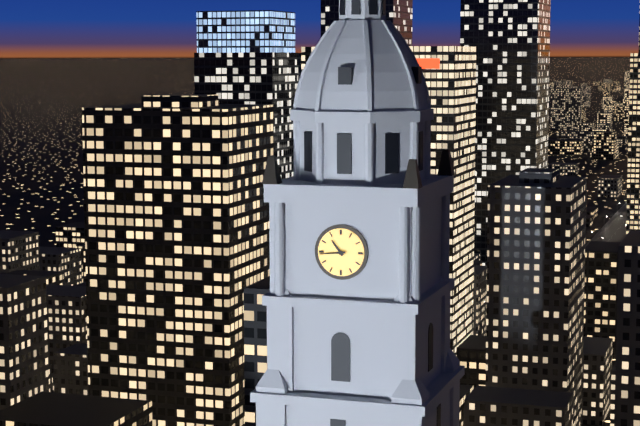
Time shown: **10:44**
